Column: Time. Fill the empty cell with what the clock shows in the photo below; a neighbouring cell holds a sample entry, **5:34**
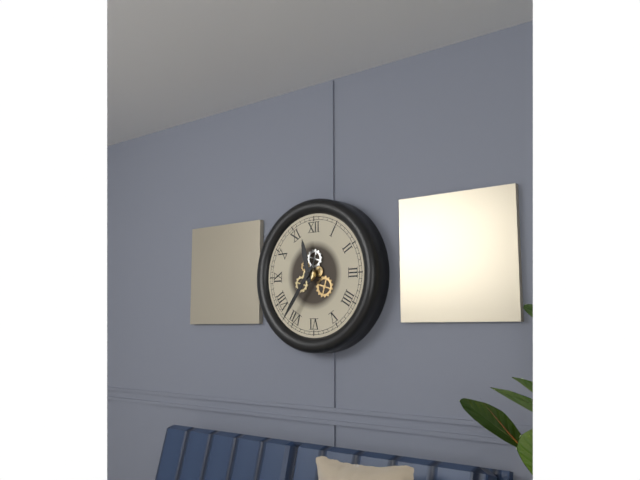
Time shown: **11:36**
